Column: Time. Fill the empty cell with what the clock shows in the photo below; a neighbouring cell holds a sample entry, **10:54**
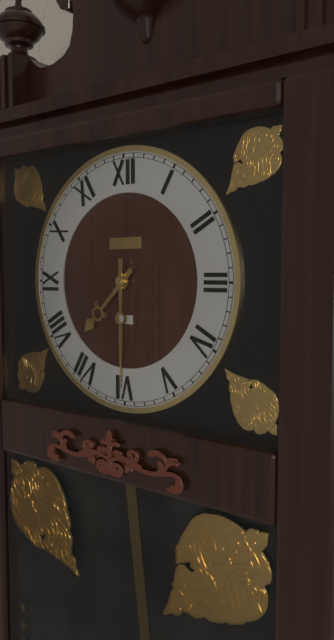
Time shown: **7:30**
